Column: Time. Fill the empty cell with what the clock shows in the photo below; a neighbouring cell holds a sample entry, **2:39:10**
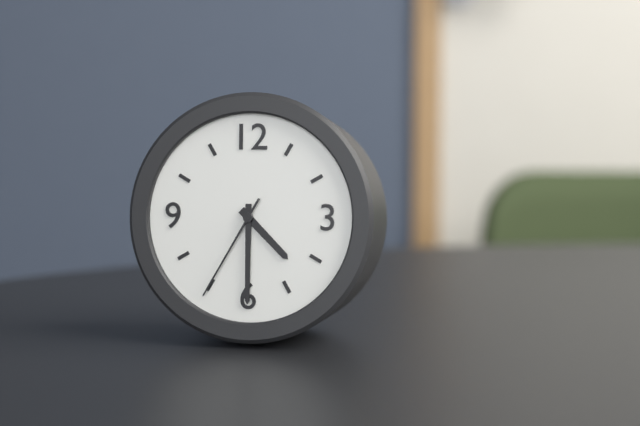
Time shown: **4:30:35**
